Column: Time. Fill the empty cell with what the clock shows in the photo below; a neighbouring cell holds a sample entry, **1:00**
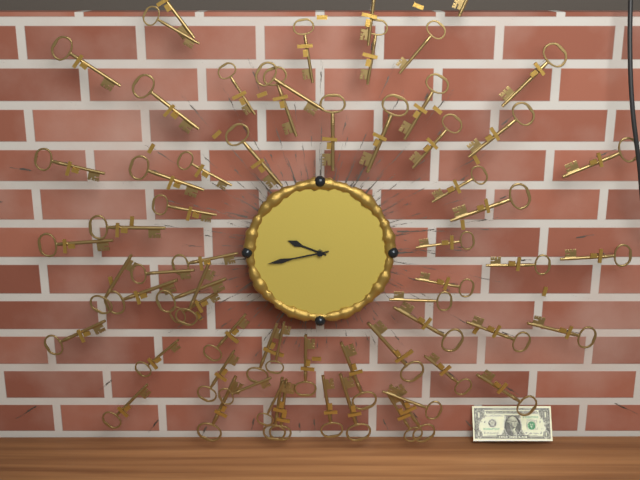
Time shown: **9:43**
